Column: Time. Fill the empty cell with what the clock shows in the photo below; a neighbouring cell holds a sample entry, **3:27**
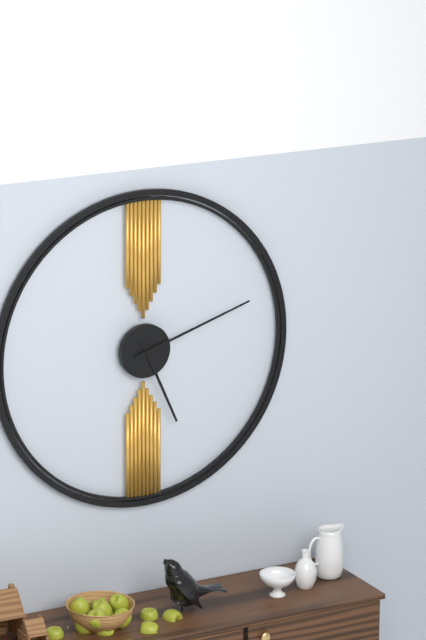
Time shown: **5:12**
